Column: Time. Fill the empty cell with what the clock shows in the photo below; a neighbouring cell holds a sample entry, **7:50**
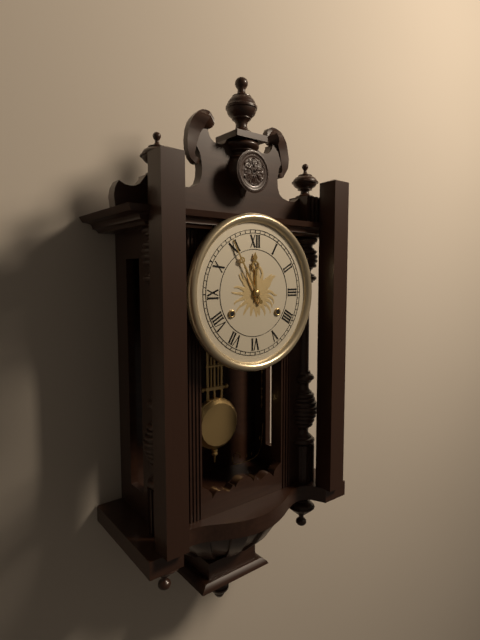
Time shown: **11:55**
